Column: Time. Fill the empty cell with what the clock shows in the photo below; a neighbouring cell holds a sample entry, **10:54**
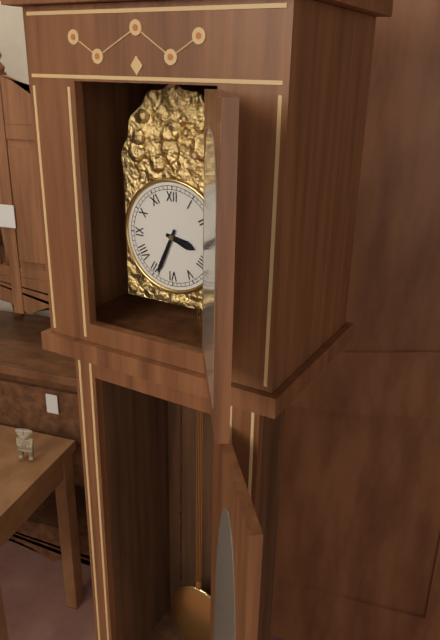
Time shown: **3:34**
